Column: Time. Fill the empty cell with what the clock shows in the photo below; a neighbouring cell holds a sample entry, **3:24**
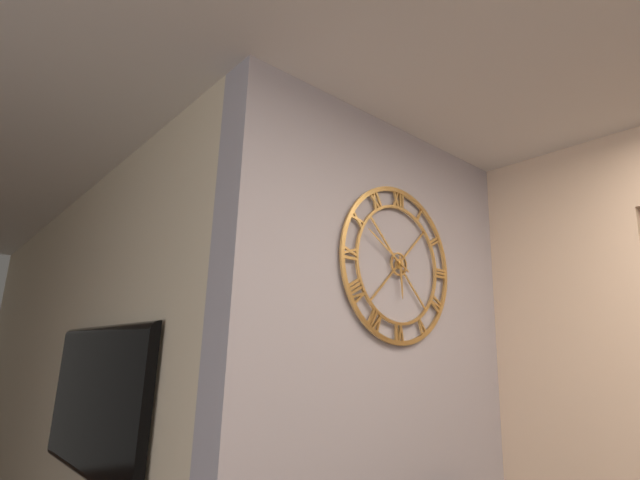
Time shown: **5:50**
